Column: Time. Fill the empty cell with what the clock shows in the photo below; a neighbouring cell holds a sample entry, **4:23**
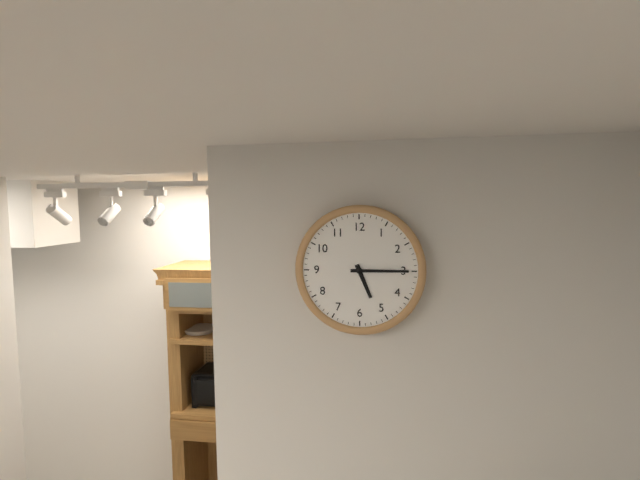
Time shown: **5:15**
